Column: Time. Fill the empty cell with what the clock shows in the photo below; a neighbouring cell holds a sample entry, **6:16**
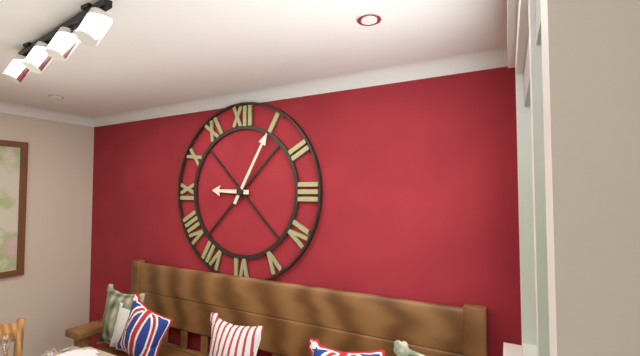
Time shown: **9:05**
